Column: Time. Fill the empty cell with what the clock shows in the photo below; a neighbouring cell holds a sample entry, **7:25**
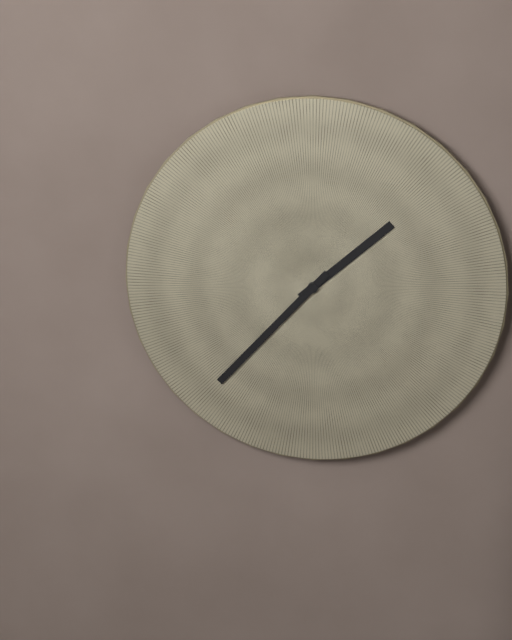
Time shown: **1:37**
